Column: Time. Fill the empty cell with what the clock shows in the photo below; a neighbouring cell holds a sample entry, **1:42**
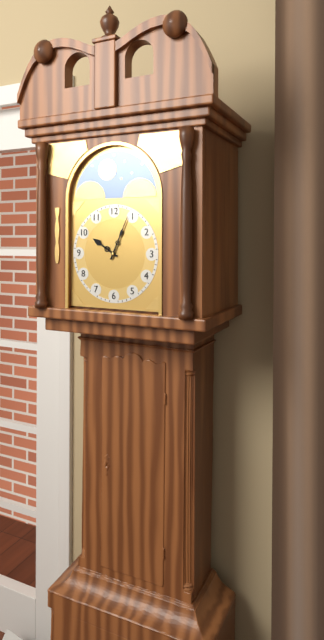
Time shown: **10:04**
